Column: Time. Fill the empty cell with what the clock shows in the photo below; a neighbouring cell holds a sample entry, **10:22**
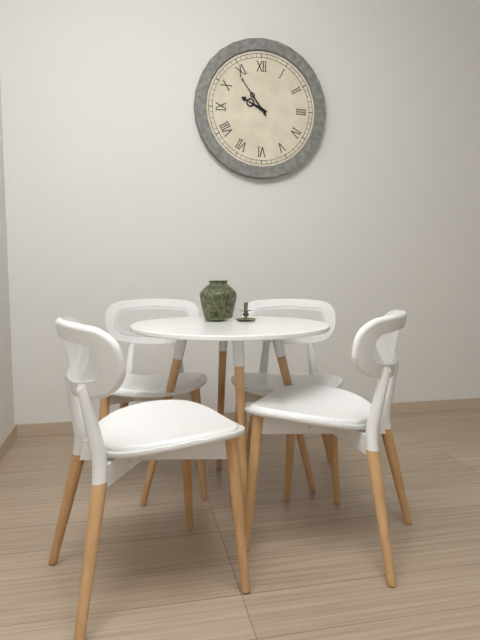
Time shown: **9:54**
